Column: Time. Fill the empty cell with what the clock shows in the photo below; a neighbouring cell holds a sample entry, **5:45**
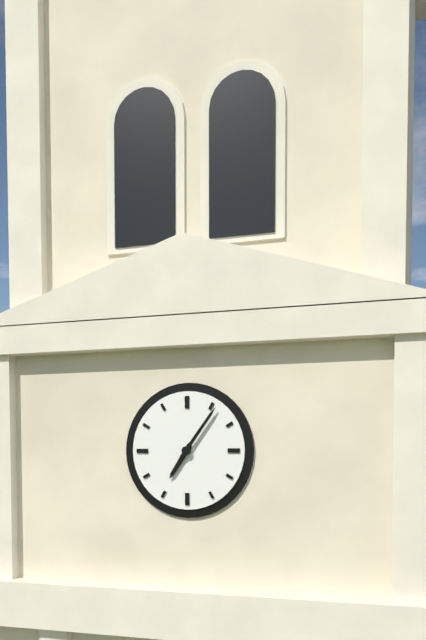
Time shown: **7:06**
